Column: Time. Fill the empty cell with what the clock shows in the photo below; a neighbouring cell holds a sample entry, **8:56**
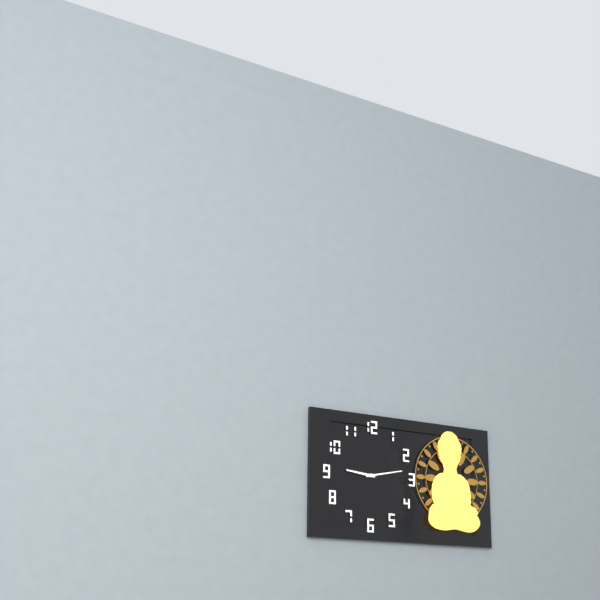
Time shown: **9:13**
